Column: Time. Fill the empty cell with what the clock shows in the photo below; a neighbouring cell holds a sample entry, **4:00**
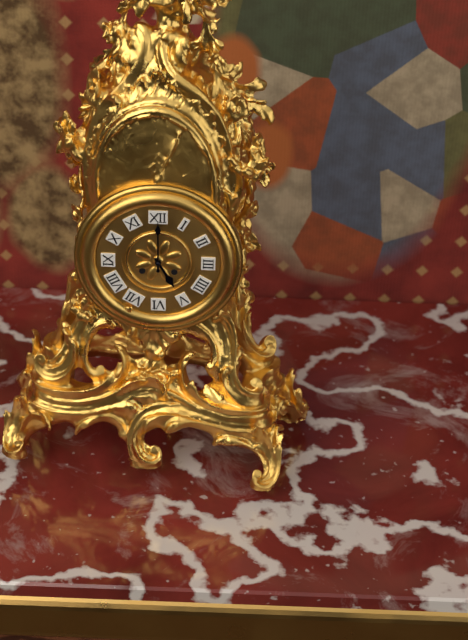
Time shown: **5:00**
